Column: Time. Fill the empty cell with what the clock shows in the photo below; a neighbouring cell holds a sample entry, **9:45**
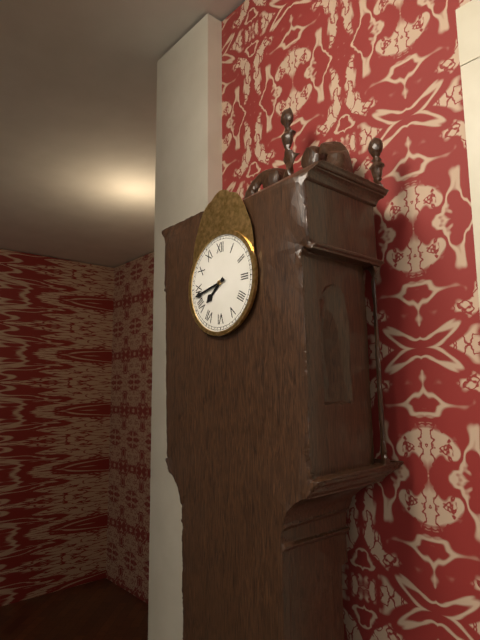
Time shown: **7:43**
